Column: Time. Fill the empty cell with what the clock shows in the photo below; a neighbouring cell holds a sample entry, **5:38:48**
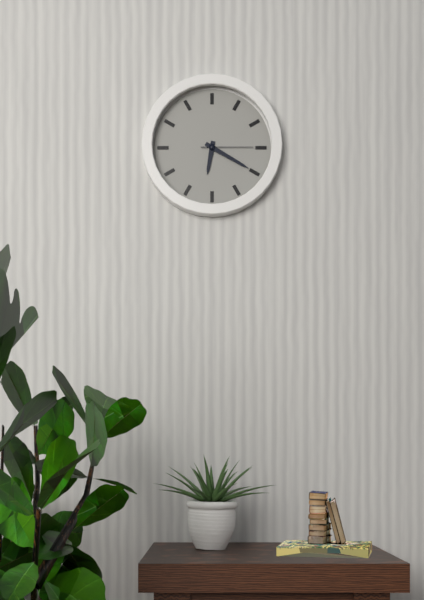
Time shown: **6:20:15**
